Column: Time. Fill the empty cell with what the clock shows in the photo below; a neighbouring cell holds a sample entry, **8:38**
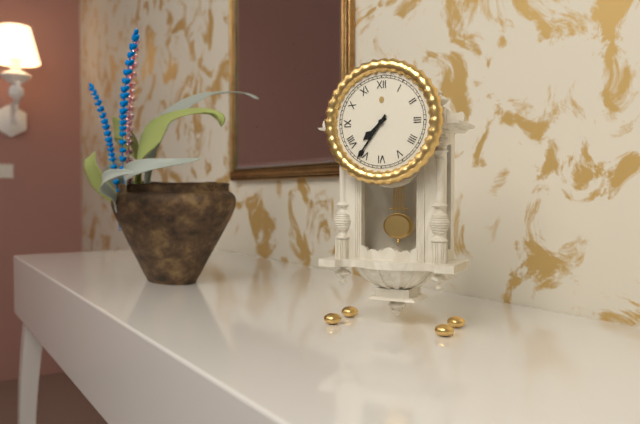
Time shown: **7:36**
